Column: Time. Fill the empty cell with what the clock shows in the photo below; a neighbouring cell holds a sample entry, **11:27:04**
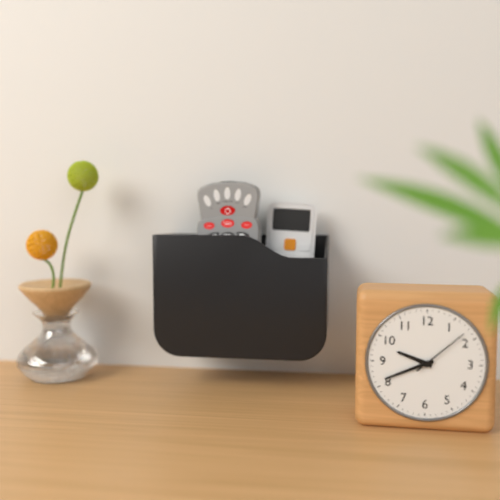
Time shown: **9:41:08**
